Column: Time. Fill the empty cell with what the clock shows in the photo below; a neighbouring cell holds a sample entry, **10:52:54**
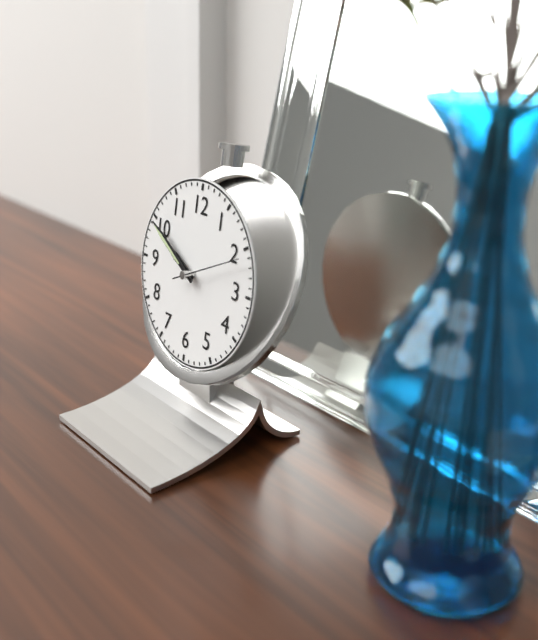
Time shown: **9:50:11**
